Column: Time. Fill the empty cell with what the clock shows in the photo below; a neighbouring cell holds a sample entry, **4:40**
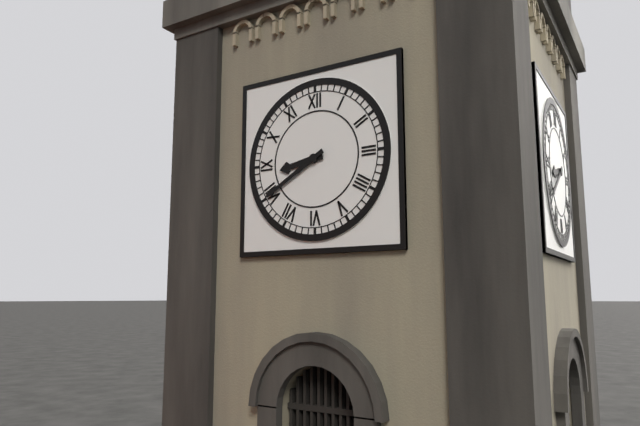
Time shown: **8:40**
